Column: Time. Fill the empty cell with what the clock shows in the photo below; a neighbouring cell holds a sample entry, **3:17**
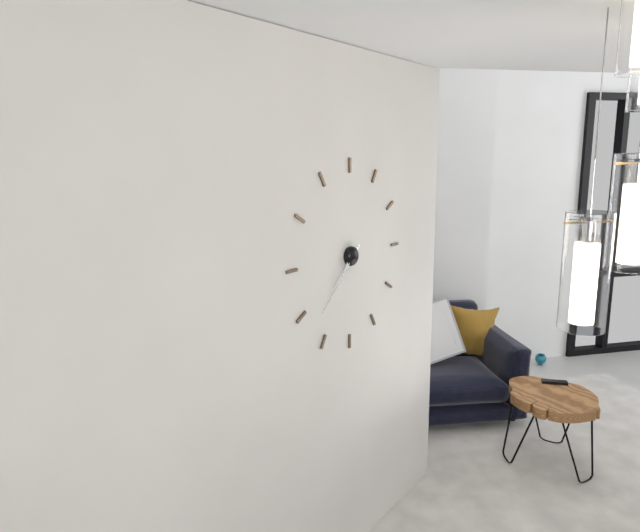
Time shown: **7:38**
